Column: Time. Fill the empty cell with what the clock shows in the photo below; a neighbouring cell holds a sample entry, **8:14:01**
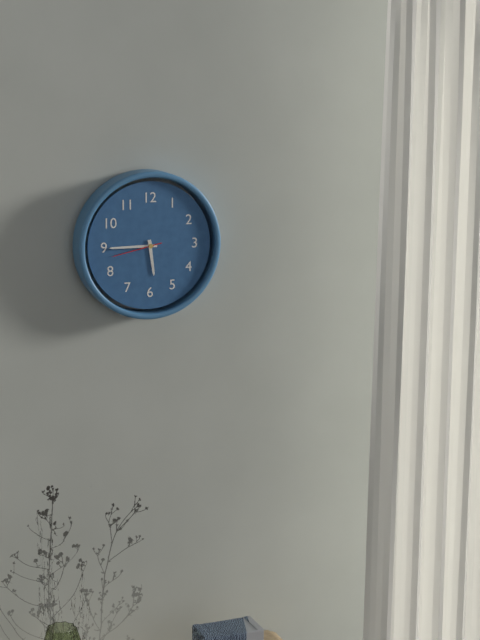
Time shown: **5:45:43**
